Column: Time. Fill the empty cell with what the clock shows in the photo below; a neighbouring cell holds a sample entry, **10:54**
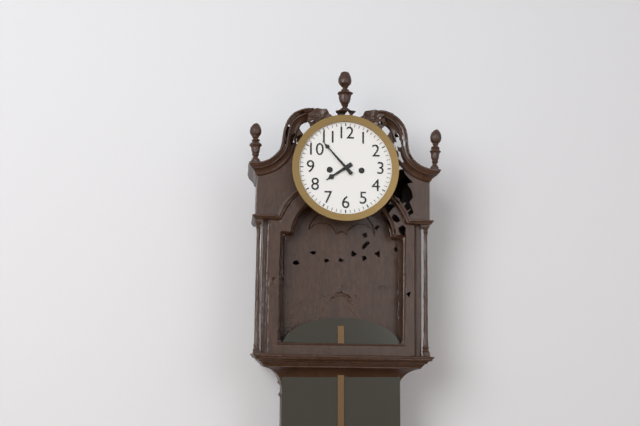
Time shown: **7:53**
